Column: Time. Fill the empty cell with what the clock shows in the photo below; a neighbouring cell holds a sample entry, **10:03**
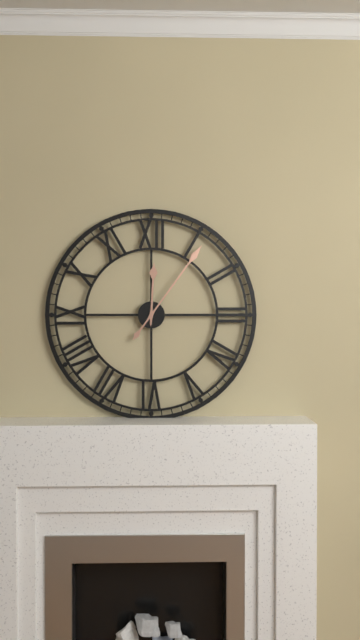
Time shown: **12:06**
